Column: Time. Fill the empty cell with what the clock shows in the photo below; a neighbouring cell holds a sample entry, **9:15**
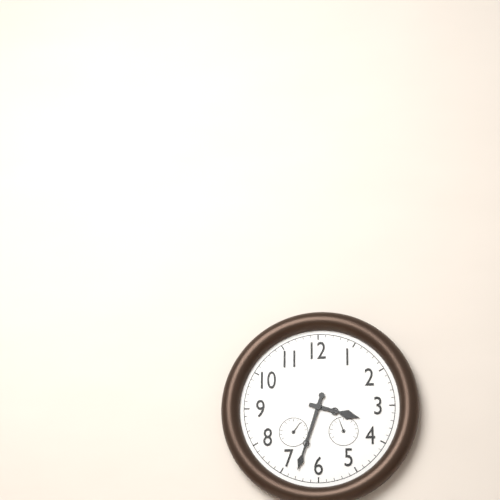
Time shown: **3:33**
